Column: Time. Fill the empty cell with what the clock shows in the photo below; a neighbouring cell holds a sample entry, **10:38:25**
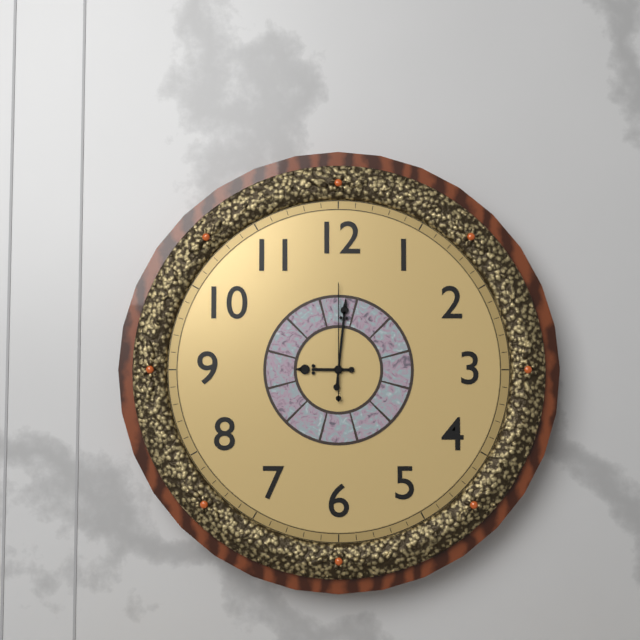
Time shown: **9:01:00**
